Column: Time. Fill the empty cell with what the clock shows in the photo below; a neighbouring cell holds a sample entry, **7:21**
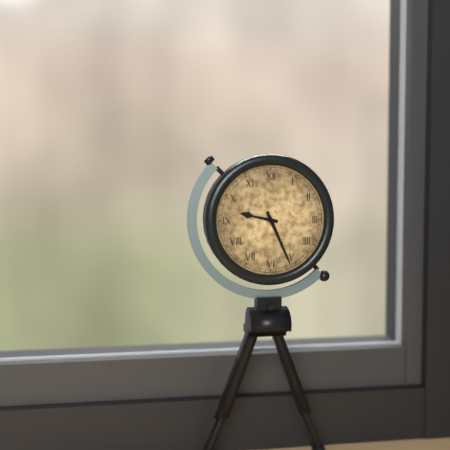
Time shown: **9:26**
